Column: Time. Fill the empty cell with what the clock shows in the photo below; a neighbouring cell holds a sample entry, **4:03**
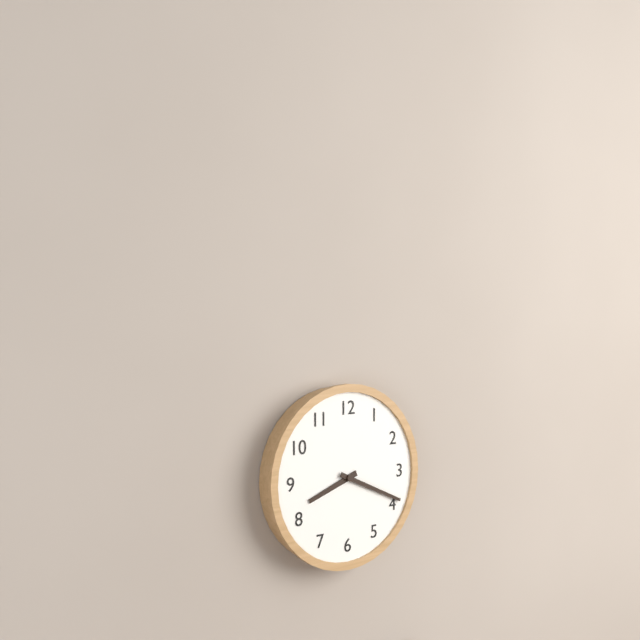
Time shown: **8:19**
